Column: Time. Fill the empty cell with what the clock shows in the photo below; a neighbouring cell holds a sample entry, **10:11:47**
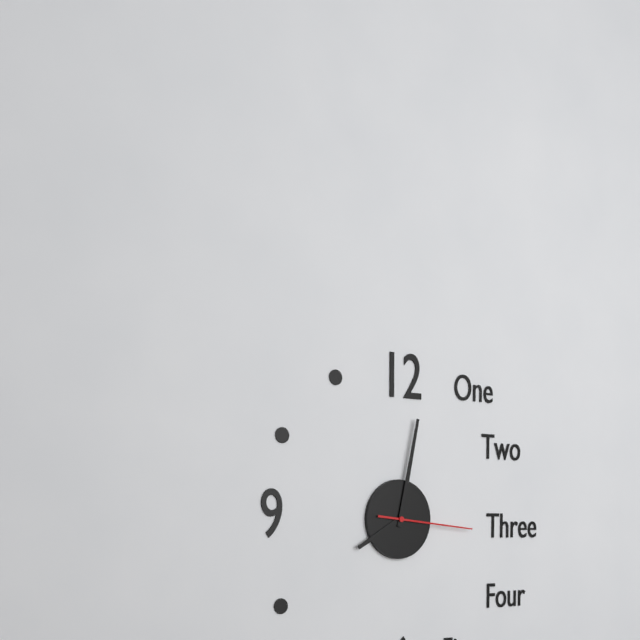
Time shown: **8:02:16**
